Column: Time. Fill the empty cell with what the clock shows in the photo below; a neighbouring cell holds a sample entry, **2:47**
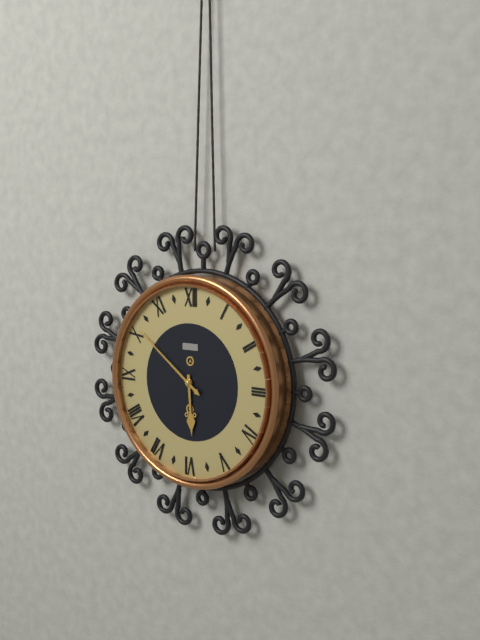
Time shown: **5:51**
